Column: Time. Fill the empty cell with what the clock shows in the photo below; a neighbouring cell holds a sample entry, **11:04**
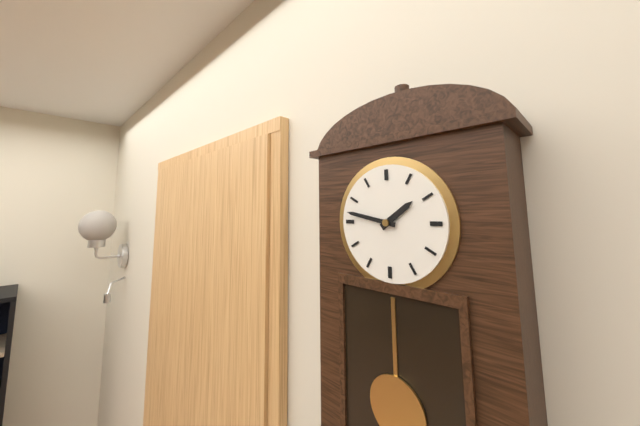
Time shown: **1:47**
